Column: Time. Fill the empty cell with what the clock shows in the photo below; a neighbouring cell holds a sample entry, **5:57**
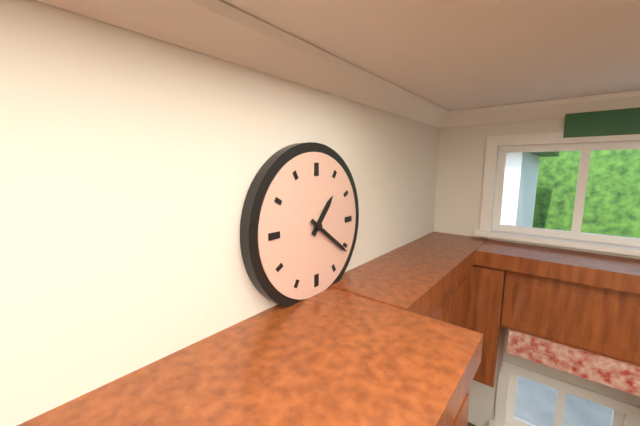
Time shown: **1:21**
